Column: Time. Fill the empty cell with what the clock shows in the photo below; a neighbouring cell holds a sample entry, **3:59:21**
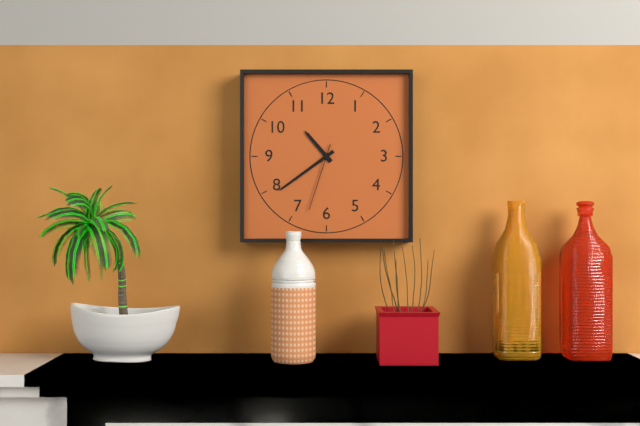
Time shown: **10:39:33**
